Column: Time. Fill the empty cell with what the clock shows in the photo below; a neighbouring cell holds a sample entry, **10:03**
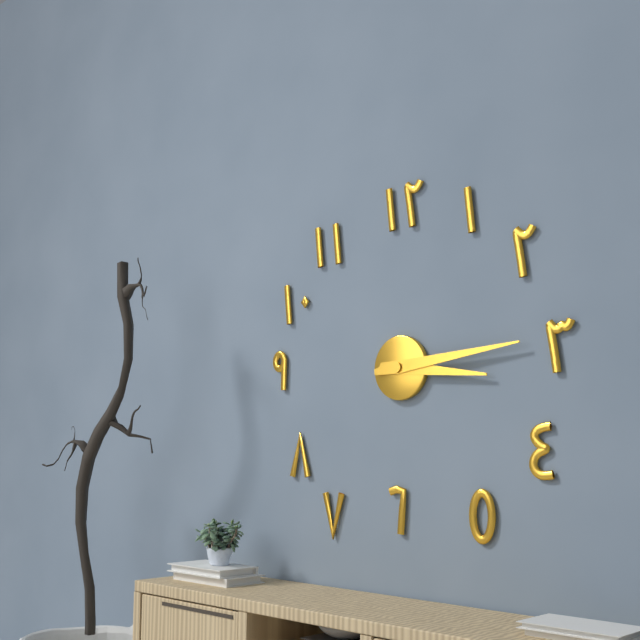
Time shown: **3:14**
